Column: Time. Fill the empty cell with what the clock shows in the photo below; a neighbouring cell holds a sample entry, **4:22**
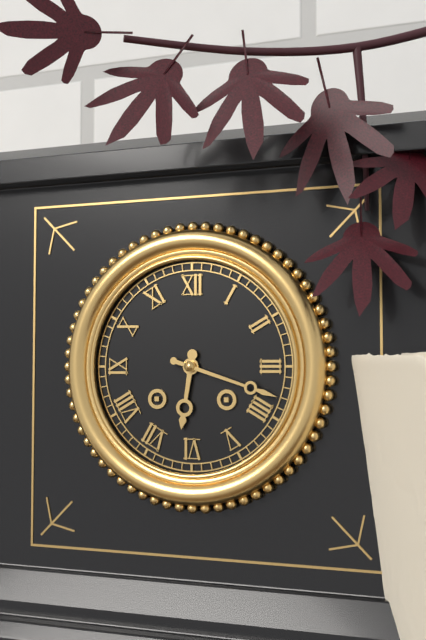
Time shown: **6:18**
